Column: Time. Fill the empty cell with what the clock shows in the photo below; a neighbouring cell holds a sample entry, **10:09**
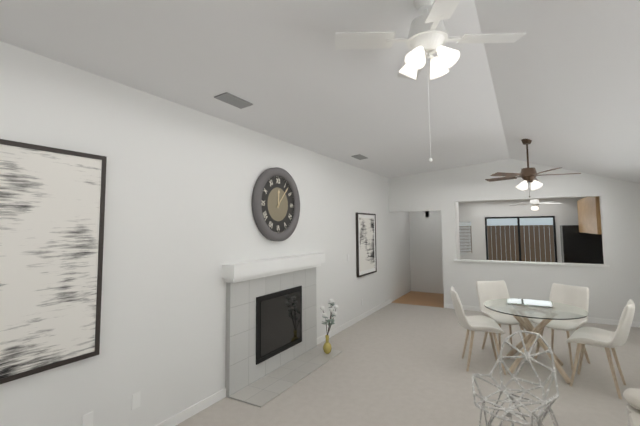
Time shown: **12:07**
